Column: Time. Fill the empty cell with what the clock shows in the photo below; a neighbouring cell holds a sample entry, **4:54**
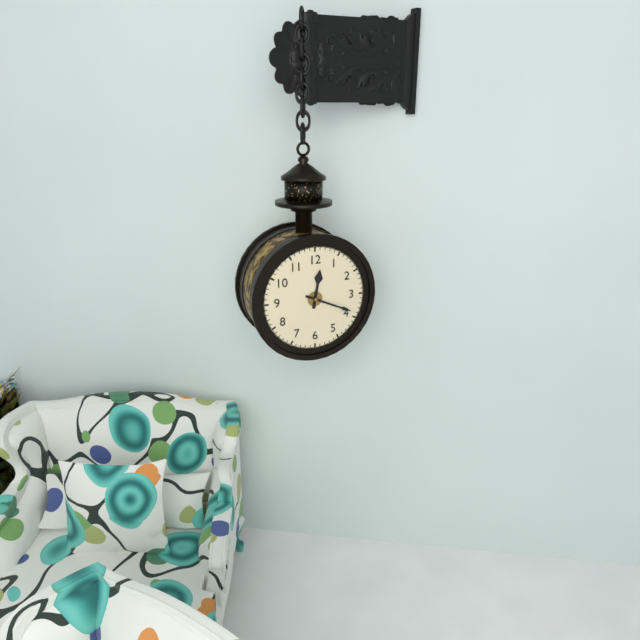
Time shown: **12:19**
